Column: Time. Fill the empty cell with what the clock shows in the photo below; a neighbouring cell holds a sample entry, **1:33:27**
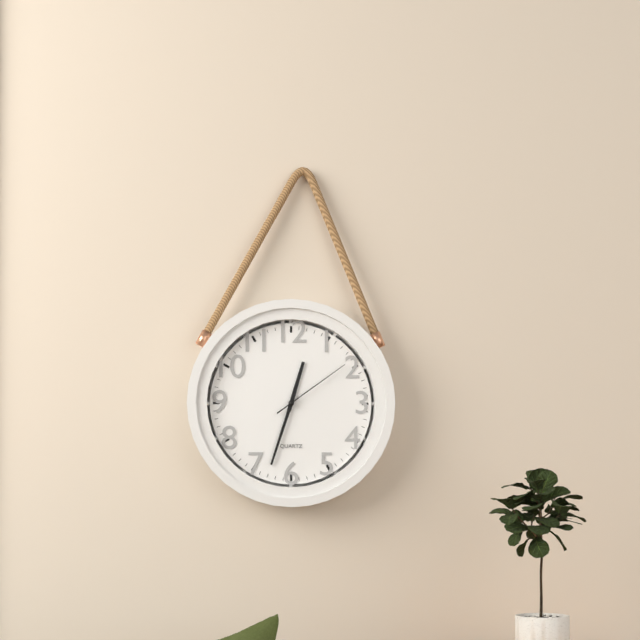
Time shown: **12:33:09**
